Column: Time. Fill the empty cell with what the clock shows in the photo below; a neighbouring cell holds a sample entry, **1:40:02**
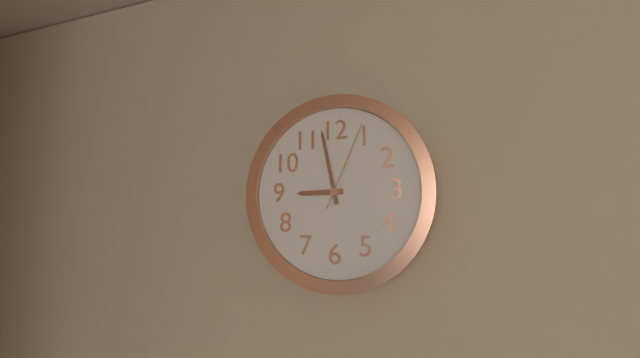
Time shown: **8:58:04**
